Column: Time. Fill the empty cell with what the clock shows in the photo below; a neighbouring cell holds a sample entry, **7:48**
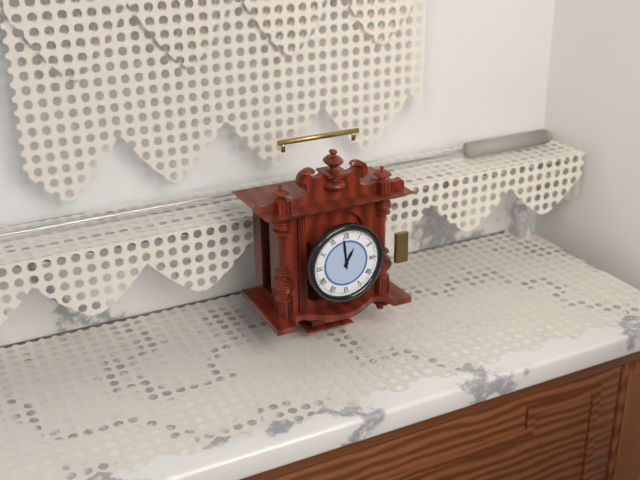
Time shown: **12:59**
